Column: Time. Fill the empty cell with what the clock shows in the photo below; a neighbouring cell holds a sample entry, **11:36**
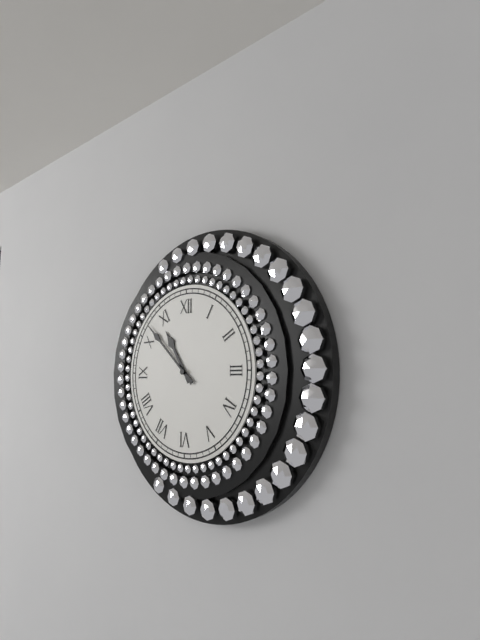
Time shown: **10:52**
